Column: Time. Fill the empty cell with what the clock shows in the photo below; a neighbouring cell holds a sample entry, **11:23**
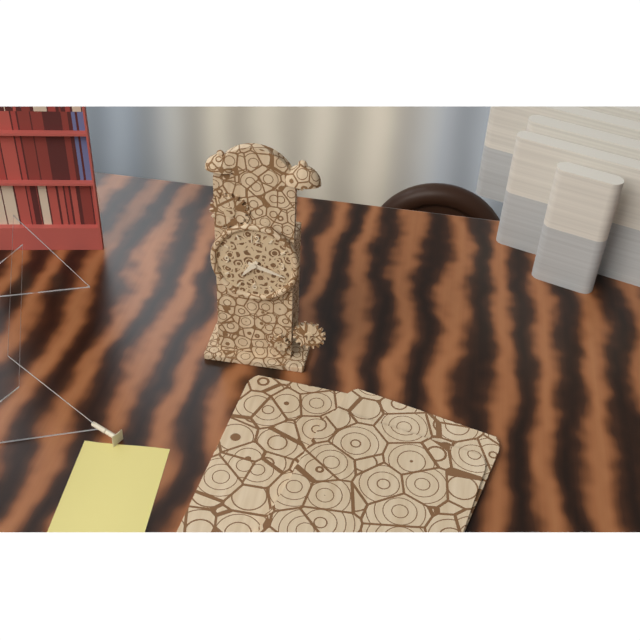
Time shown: **7:18**
